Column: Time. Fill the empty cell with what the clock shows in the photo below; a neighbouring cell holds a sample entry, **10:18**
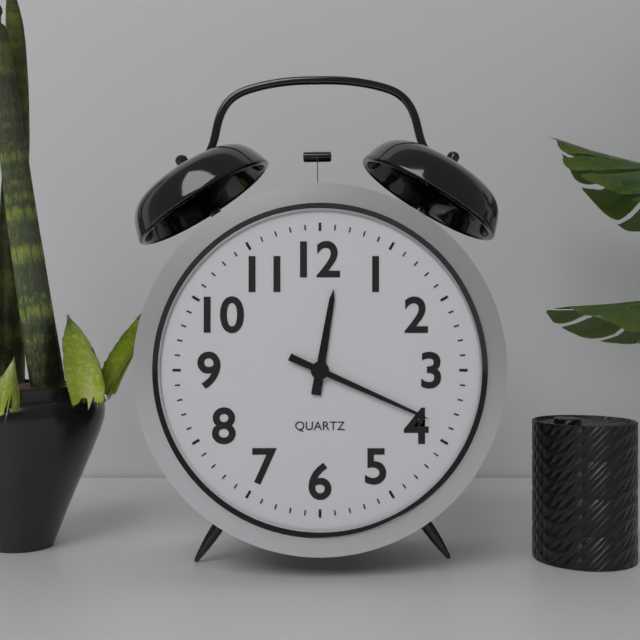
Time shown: **12:19**
